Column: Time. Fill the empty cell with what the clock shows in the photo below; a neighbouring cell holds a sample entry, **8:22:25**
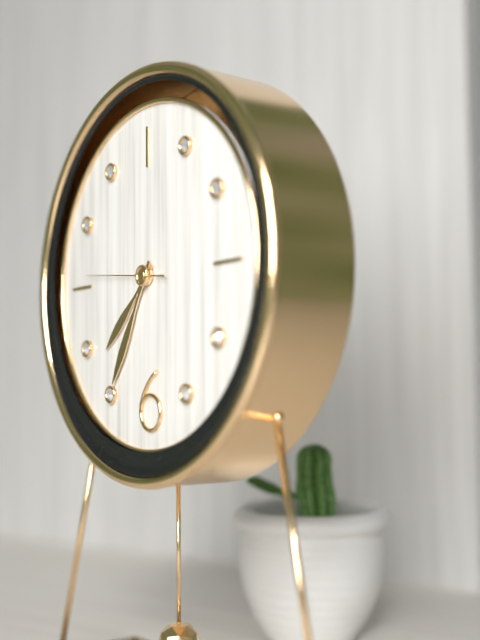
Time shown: **7:35:46**
